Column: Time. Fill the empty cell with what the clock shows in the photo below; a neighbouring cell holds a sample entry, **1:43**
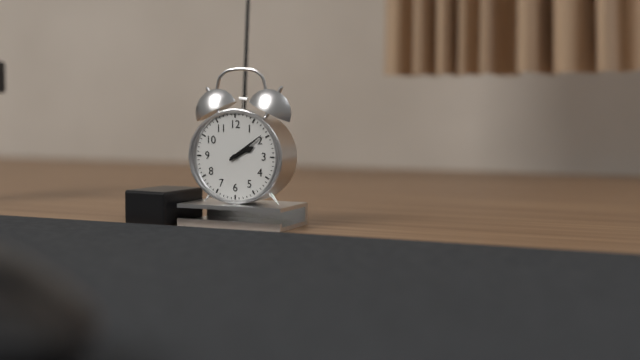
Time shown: **2:09**
